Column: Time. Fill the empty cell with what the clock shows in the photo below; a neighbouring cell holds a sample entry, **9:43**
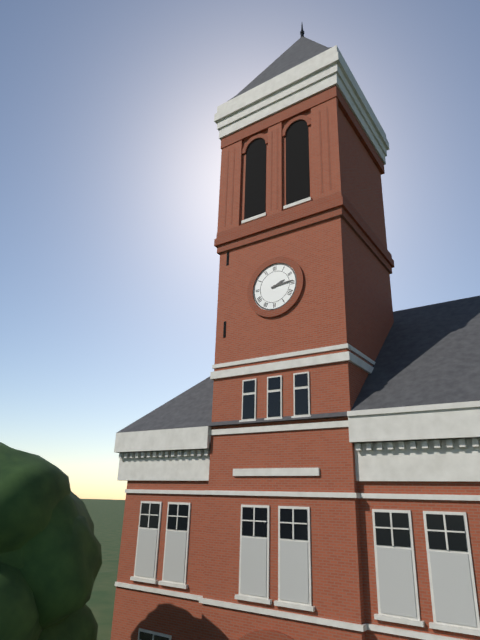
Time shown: **2:14**
